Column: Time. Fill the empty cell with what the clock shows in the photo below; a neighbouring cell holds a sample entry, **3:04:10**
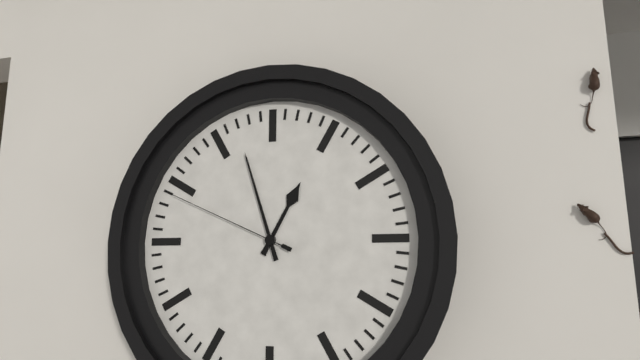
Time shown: **12:57:49**
